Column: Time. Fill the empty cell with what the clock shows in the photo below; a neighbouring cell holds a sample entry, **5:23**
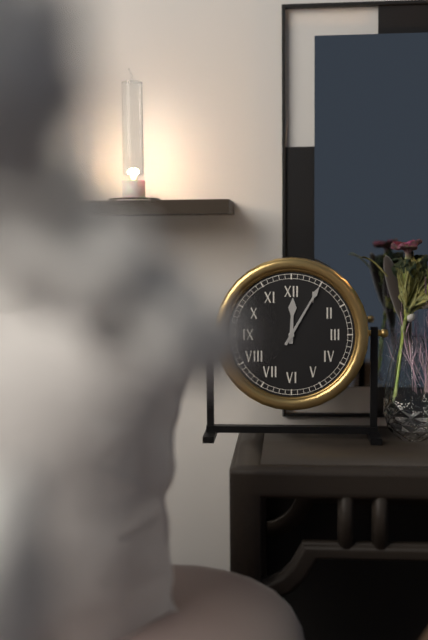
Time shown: **12:05**
